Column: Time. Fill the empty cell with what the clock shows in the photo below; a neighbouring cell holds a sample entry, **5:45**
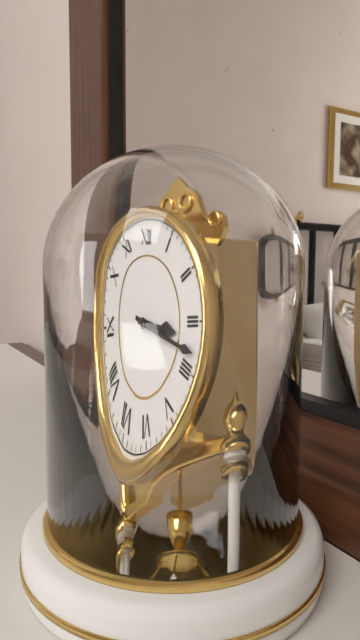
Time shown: **3:18**
